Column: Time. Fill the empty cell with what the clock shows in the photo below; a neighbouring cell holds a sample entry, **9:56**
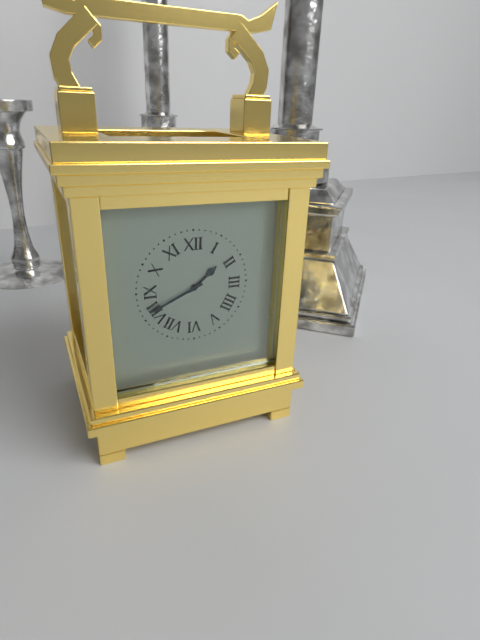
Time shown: **1:41**
